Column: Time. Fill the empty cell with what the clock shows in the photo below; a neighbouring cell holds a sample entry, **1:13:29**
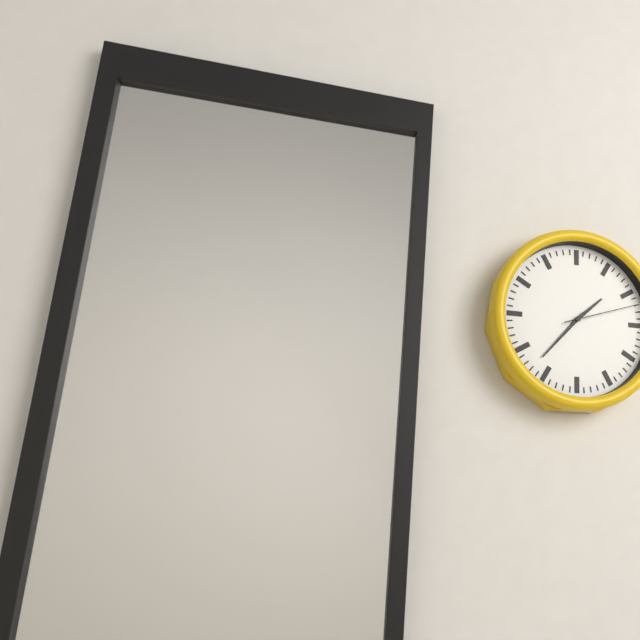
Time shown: **1:37:12**
